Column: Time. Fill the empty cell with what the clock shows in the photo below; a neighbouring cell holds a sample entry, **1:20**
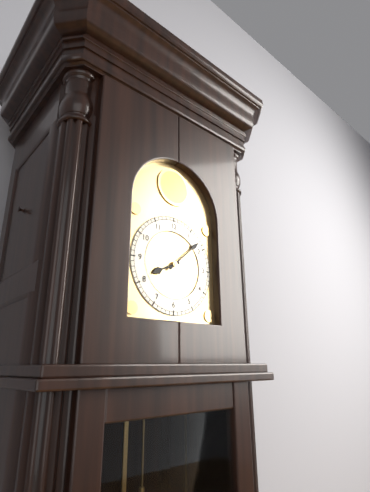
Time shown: **8:08**
